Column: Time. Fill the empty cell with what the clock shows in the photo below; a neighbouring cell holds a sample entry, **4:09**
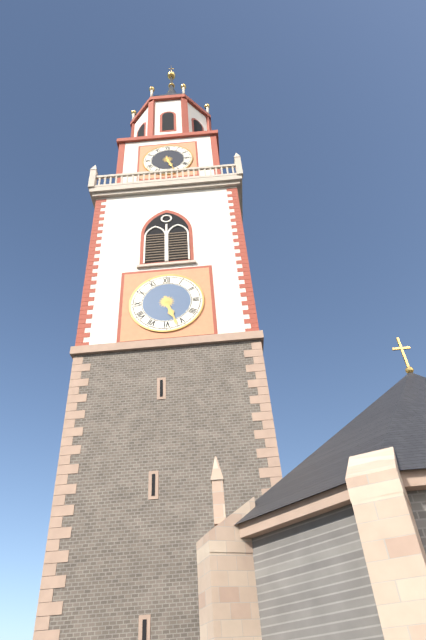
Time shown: **5:27**
